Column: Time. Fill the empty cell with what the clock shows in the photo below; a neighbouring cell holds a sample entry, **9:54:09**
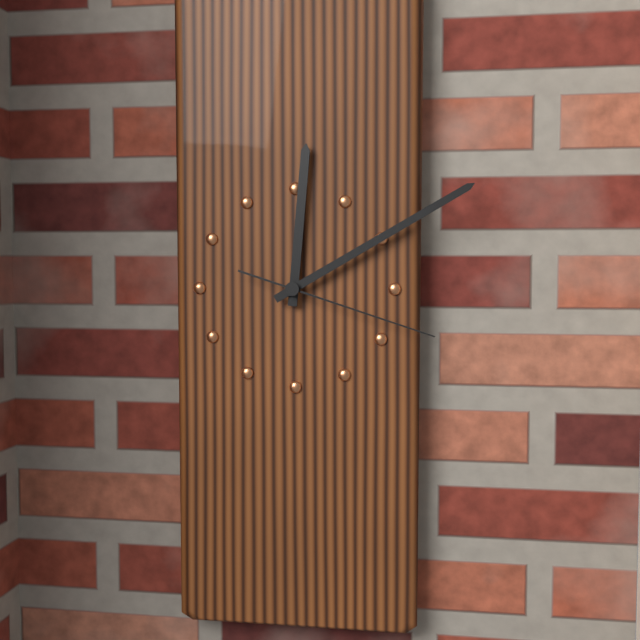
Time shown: **12:10:18**
